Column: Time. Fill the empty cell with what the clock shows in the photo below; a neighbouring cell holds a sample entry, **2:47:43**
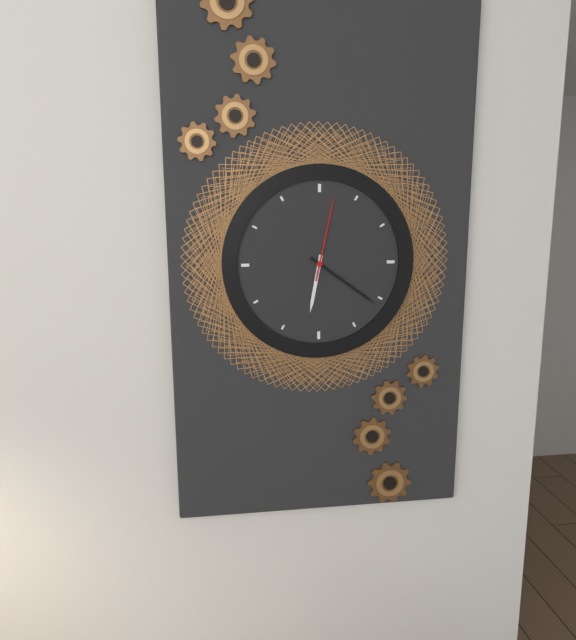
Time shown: **6:21:02**
